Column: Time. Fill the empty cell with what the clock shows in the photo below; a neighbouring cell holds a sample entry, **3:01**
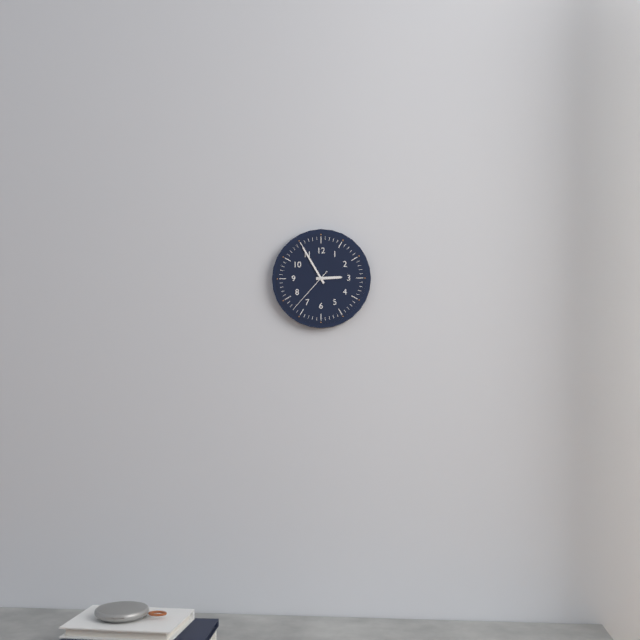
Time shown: **2:55**
